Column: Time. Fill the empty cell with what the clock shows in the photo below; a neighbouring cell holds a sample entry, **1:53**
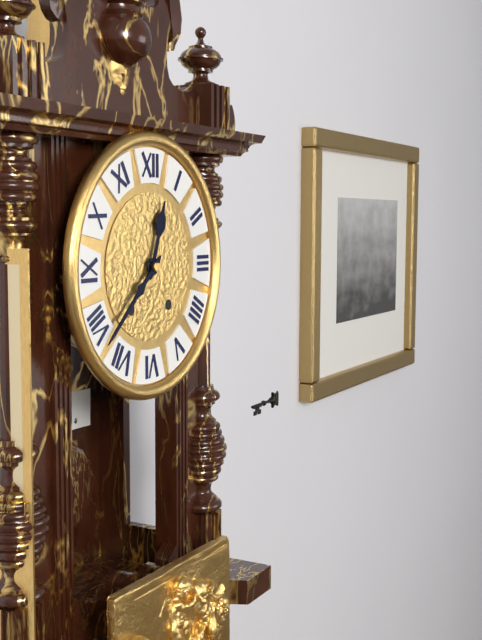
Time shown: **12:38**
